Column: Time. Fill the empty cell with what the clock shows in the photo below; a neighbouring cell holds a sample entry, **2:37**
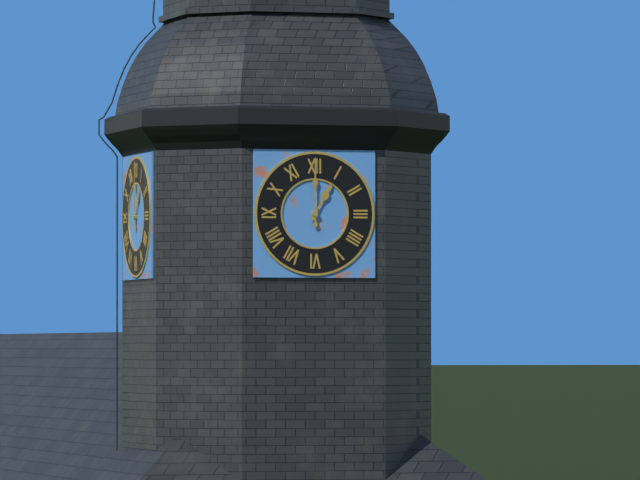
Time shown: **1:00**
